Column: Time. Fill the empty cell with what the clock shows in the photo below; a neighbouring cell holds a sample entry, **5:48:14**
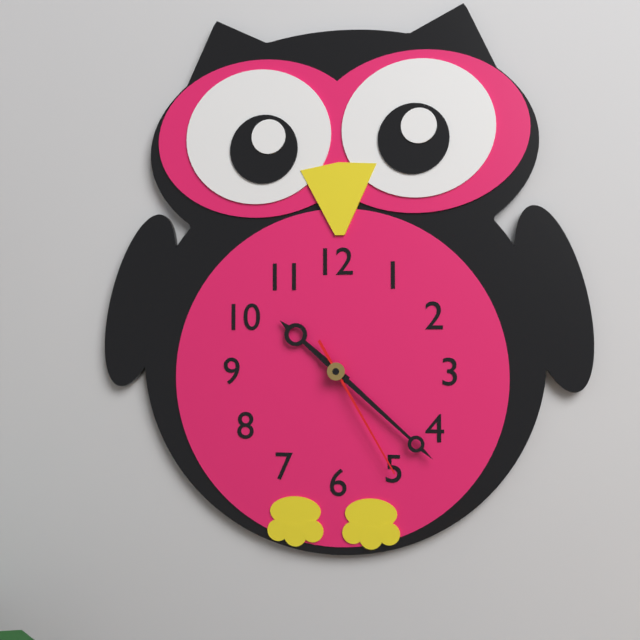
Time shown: **10:22:25**
